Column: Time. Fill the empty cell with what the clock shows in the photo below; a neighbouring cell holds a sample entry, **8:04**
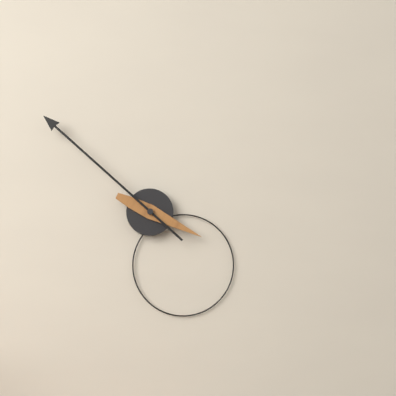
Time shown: **3:52**
